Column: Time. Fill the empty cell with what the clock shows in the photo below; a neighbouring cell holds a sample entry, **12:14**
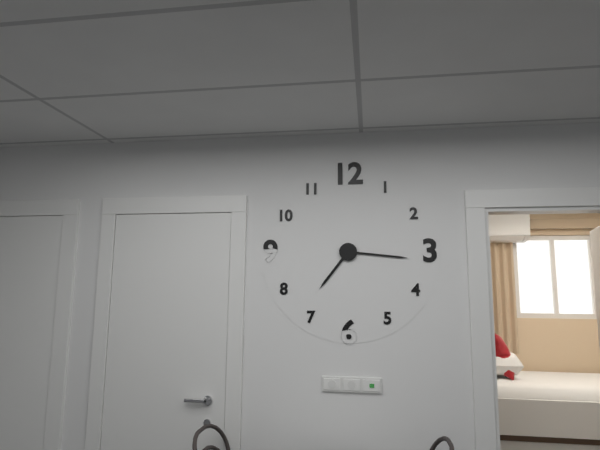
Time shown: **7:16**
